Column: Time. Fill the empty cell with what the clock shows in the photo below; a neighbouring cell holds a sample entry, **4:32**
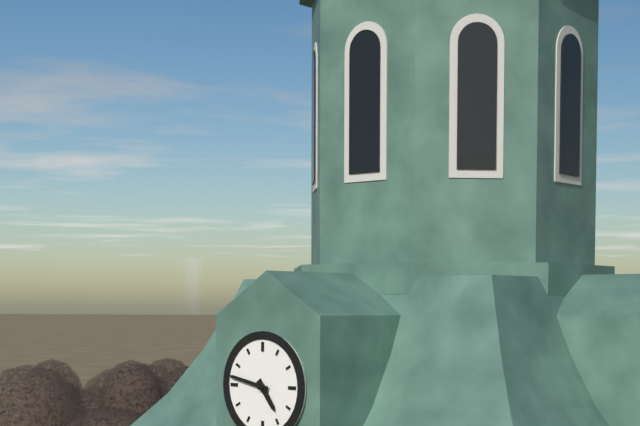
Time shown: **4:47**
